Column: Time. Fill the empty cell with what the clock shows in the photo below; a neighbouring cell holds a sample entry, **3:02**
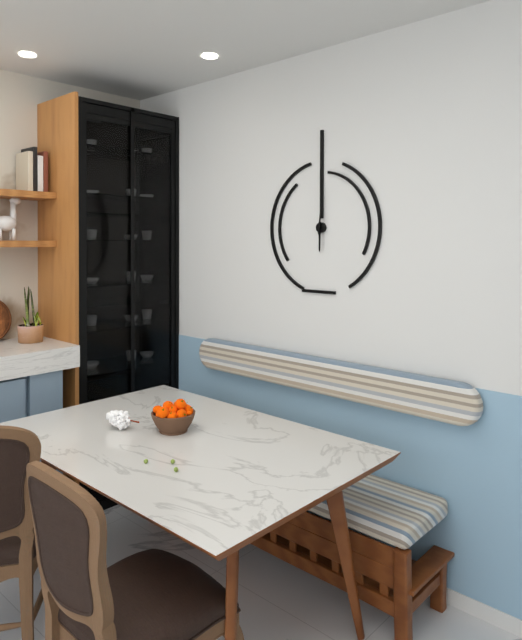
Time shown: **6:01**
